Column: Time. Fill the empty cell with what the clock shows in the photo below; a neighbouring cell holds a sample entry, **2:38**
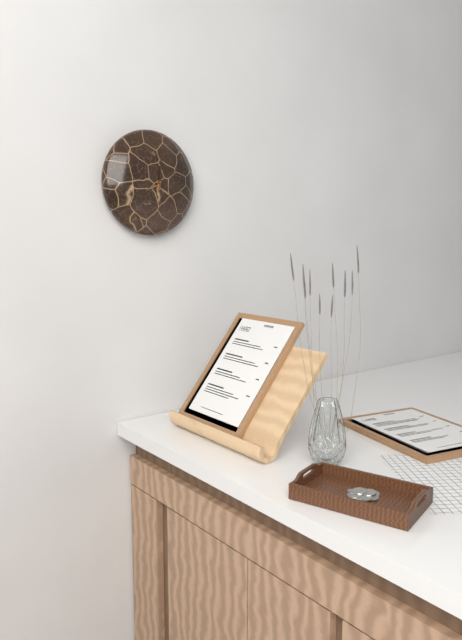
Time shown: **8:01**
